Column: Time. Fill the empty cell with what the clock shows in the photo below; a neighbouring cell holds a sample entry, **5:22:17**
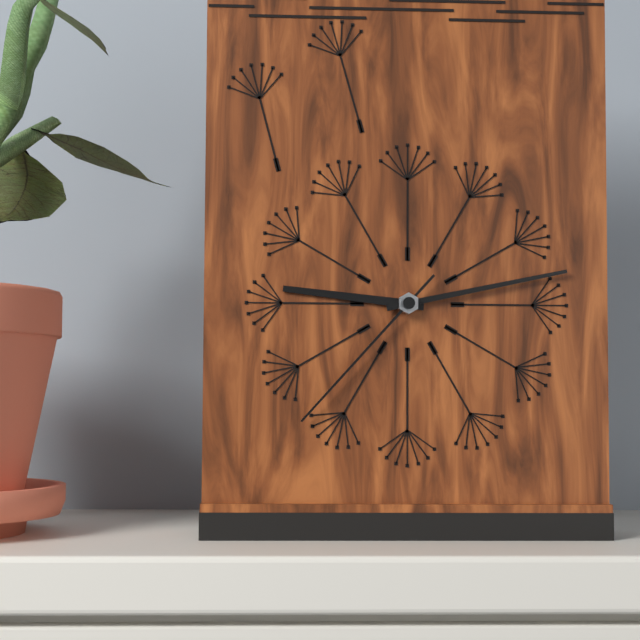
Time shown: **9:13:37**
